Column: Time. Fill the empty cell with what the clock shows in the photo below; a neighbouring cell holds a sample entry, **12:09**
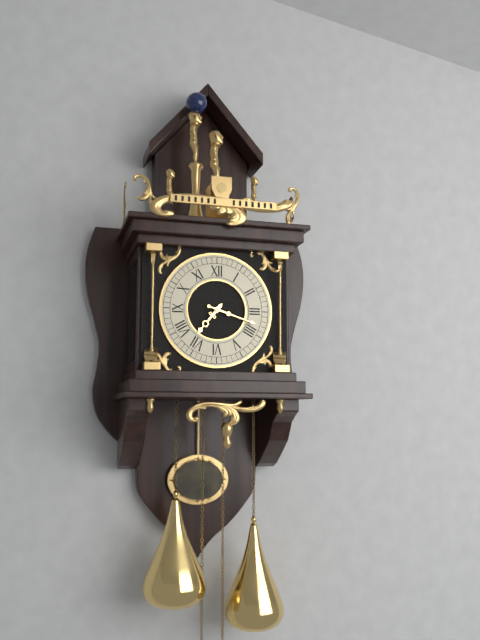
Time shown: **7:18**
